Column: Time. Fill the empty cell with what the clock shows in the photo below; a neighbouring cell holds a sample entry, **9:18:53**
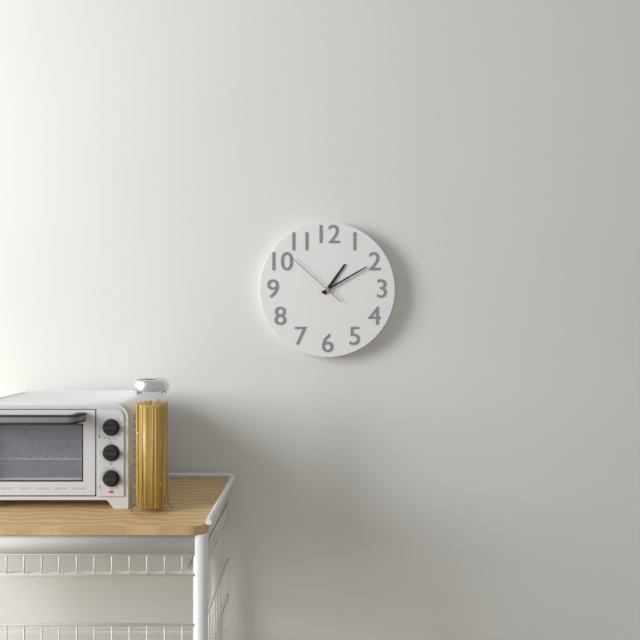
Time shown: **1:10:52**
